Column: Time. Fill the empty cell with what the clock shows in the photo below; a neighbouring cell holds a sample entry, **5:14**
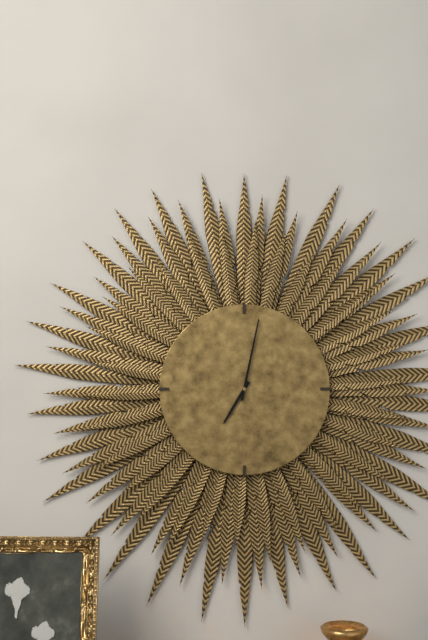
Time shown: **7:02**
